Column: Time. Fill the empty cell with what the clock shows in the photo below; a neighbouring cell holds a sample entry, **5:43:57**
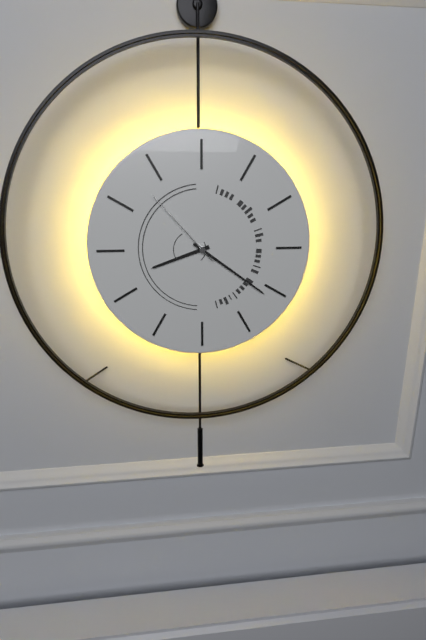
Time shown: **8:21:53**
